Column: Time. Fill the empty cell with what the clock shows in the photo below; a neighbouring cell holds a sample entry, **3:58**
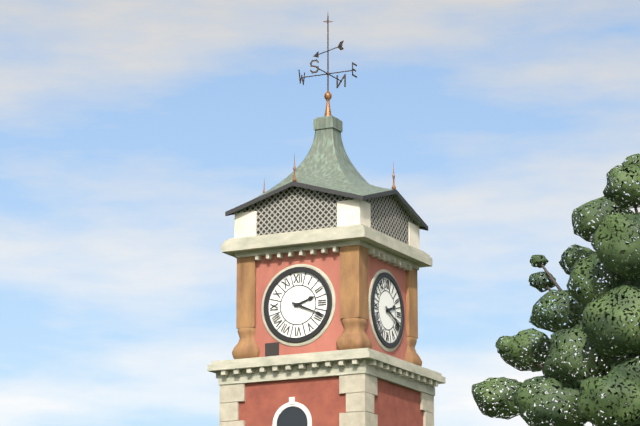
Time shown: **2:19**
